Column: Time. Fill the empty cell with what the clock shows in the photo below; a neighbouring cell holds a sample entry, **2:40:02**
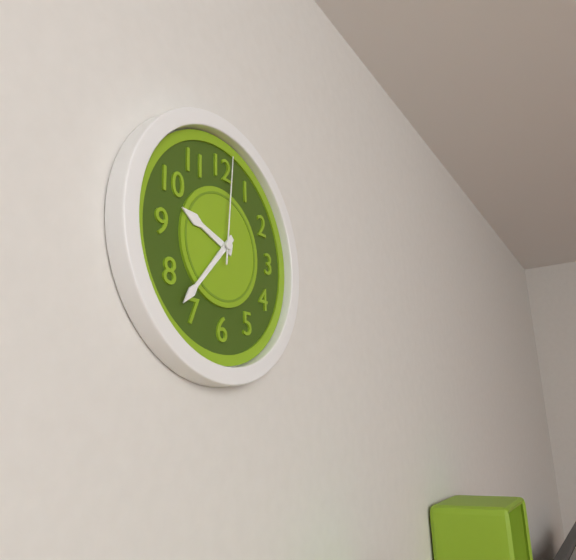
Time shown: **9:37:01**
